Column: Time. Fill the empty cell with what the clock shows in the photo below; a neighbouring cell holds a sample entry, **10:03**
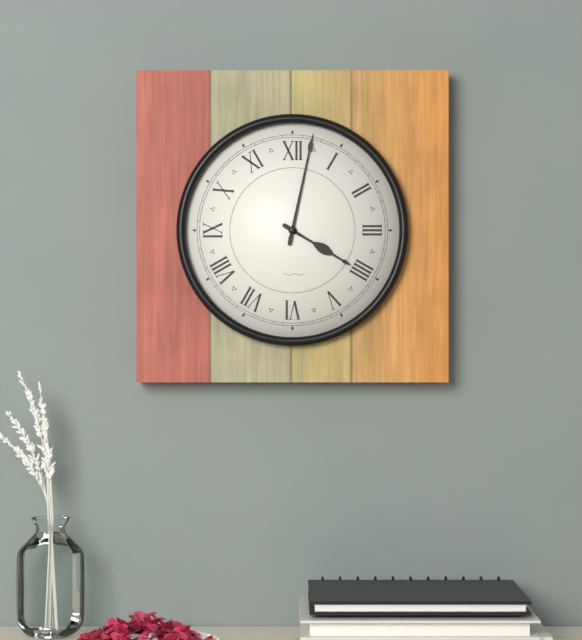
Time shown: **4:02**
